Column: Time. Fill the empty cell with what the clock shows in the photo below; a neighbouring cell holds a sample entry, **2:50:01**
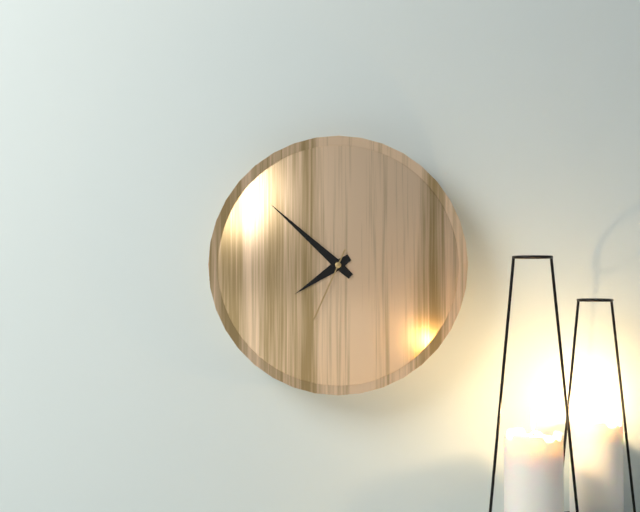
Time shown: **7:52:34**
